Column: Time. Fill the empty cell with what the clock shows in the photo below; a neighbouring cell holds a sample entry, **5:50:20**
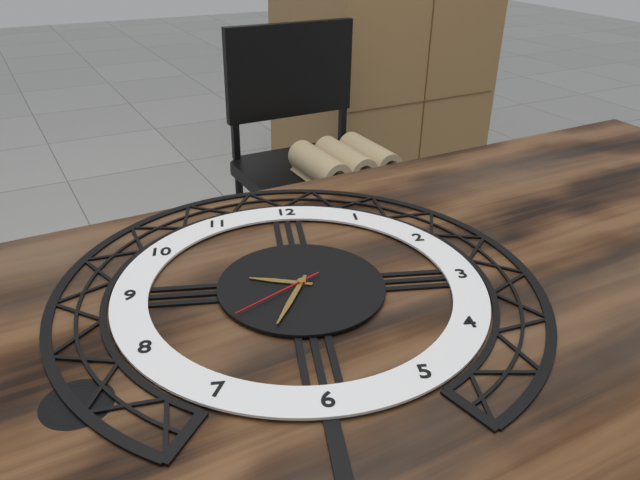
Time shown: **9:34:39**
